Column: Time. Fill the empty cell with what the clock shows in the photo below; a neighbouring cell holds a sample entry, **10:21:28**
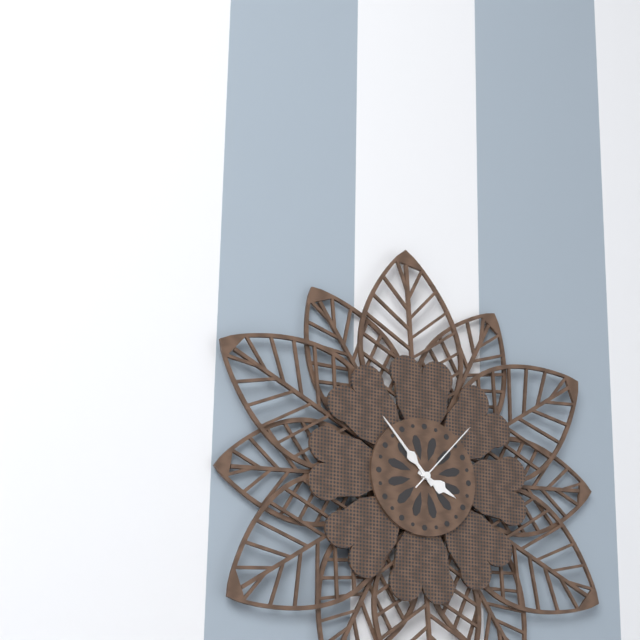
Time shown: **3:53:07**
